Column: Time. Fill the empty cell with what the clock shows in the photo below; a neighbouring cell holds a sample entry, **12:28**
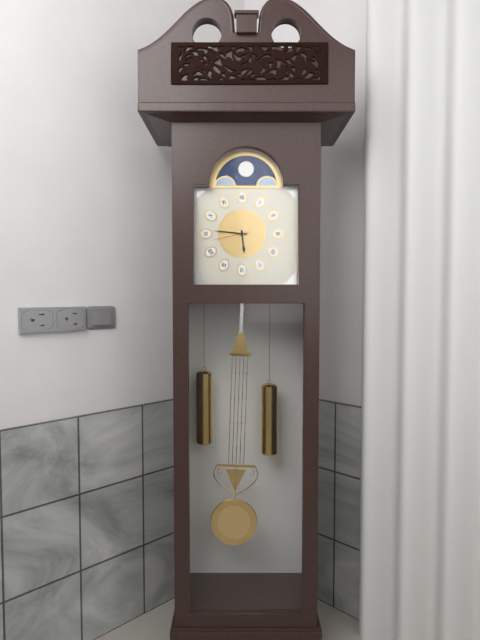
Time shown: **5:46**
